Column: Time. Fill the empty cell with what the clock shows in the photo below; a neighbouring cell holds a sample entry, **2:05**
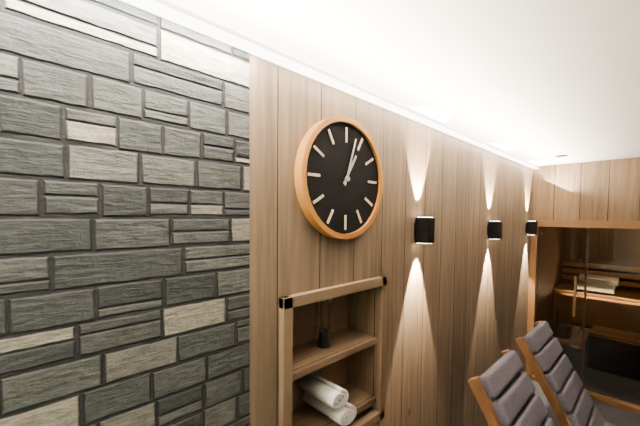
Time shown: **1:03**
